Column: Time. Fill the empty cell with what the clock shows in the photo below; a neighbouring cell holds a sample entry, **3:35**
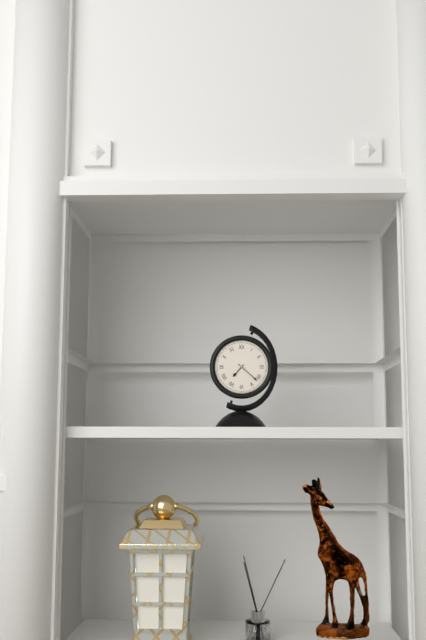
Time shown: **7:22**
